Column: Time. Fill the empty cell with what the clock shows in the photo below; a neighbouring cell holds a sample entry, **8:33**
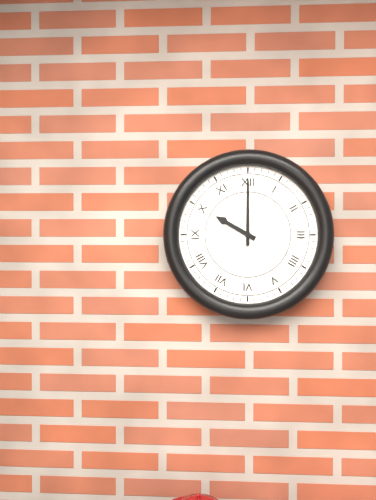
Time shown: **10:00**
